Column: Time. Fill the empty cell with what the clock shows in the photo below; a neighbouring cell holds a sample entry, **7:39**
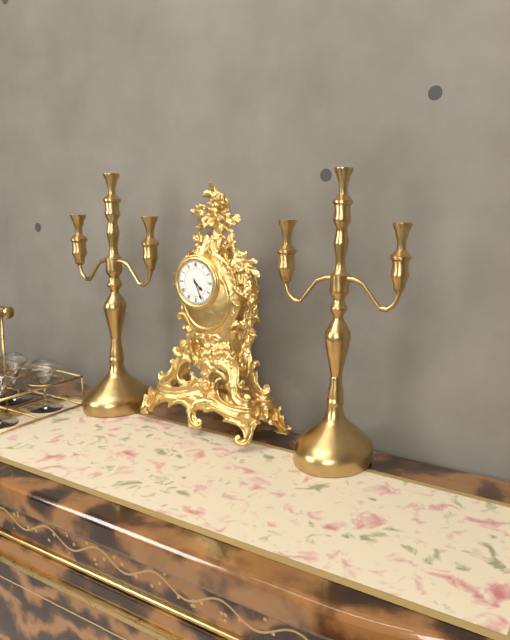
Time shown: **4:26**
